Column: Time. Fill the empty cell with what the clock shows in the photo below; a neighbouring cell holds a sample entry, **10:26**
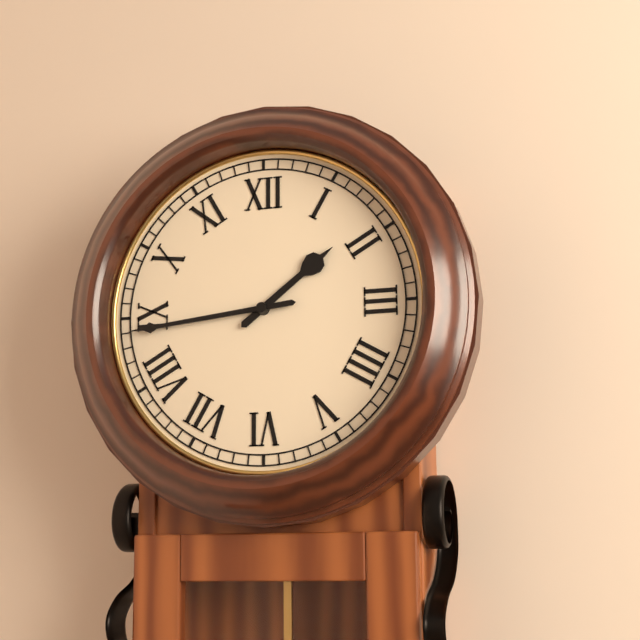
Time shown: **1:44**
